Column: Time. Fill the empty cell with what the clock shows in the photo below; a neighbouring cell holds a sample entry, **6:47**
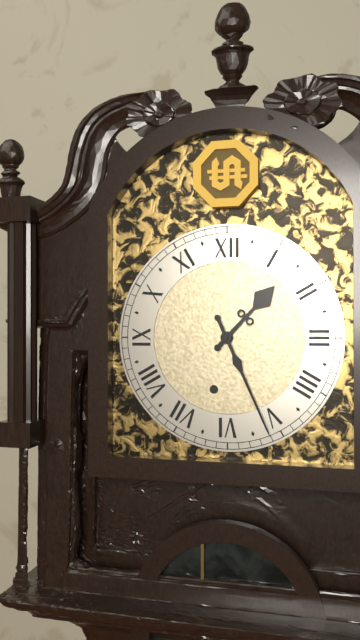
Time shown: **1:26**
